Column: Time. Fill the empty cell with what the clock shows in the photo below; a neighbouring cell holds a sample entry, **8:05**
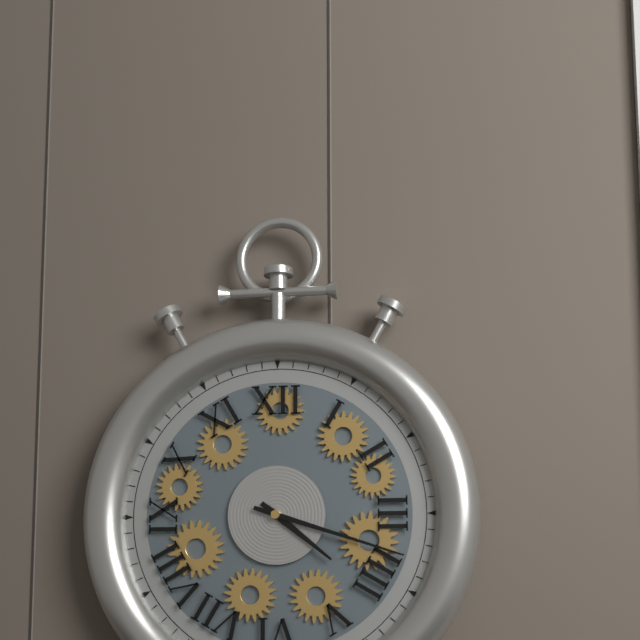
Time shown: **4:18**
